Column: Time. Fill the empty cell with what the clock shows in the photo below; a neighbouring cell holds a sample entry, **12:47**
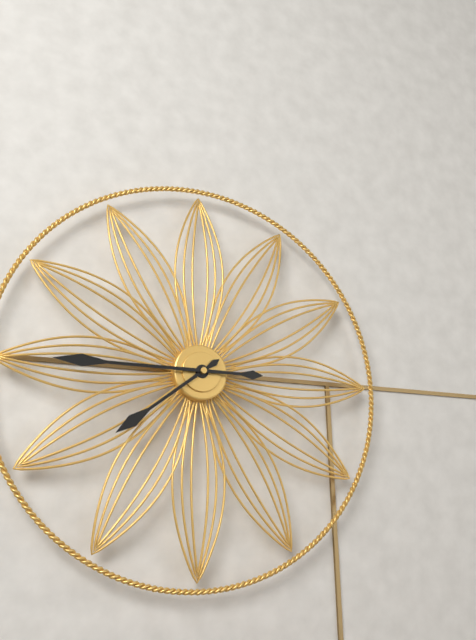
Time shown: **7:45**
